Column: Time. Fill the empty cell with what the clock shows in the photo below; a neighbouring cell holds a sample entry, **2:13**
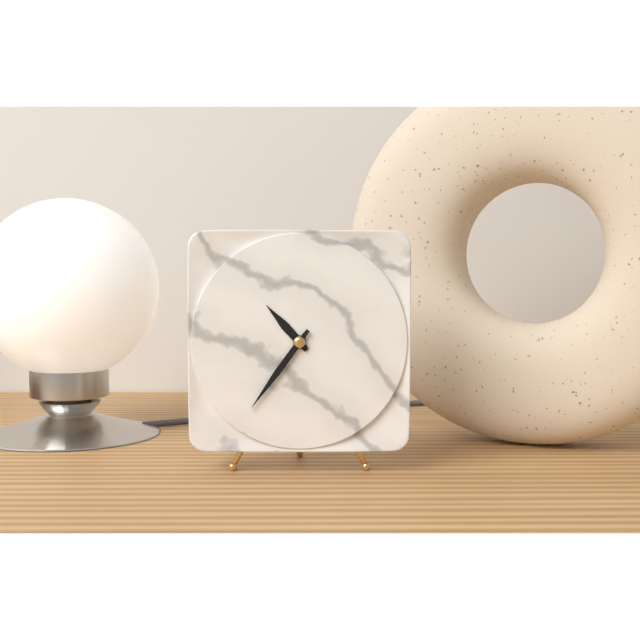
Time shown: **10:36**
